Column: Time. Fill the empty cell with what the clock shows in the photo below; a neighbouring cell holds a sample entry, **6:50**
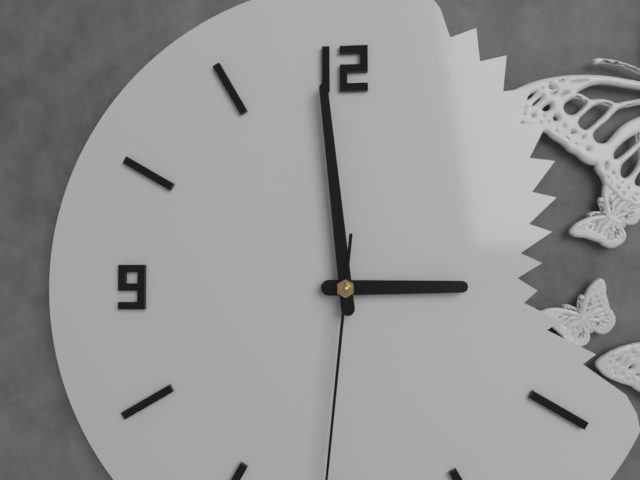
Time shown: **2:59**
